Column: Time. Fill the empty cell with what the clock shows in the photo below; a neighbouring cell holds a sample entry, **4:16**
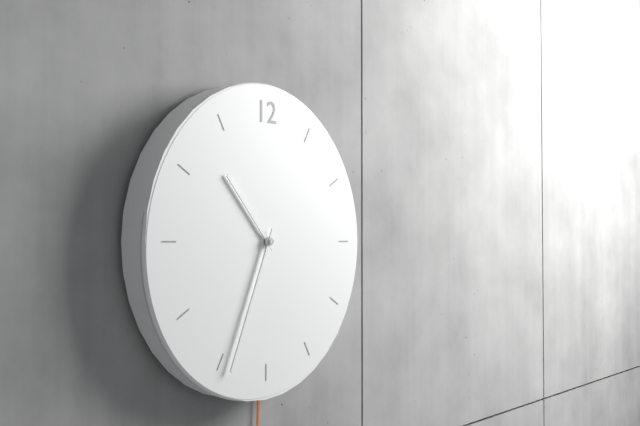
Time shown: **10:34**
